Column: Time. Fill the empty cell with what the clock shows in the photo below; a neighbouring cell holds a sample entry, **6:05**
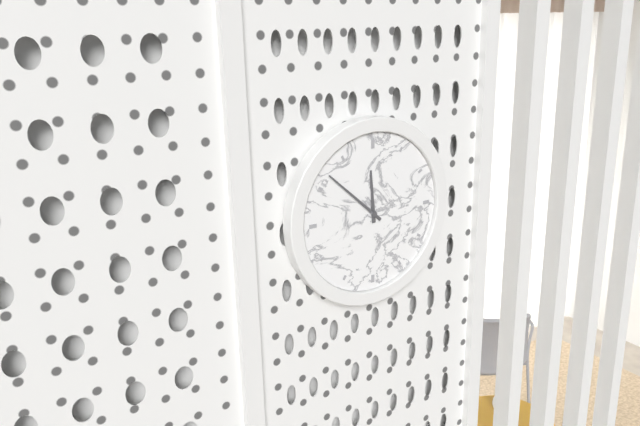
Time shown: **11:52**
